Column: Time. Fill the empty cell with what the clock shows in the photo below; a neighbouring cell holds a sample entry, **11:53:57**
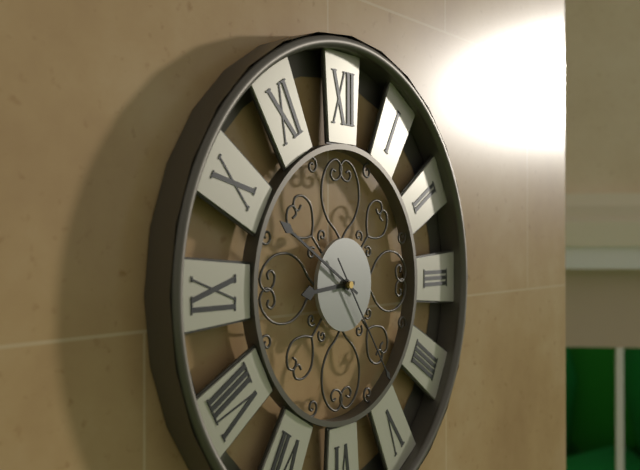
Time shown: **8:50:24**
